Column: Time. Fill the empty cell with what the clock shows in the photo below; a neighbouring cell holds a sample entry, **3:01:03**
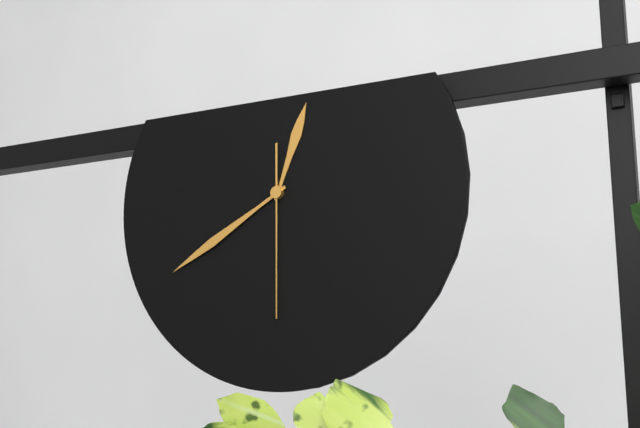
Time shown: **12:40:30**
